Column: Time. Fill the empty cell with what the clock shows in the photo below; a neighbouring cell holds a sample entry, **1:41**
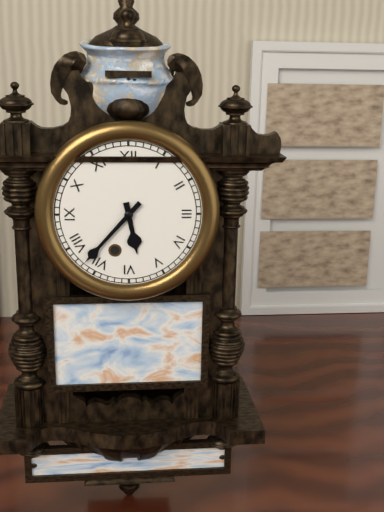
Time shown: **5:37**
